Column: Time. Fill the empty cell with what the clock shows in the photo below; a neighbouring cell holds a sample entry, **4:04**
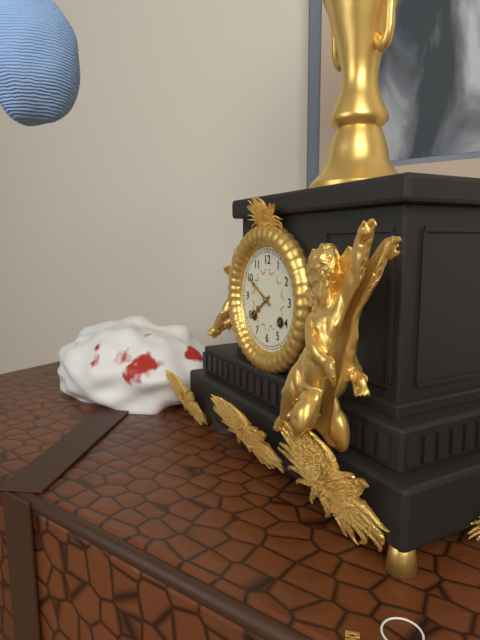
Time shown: **7:50**
